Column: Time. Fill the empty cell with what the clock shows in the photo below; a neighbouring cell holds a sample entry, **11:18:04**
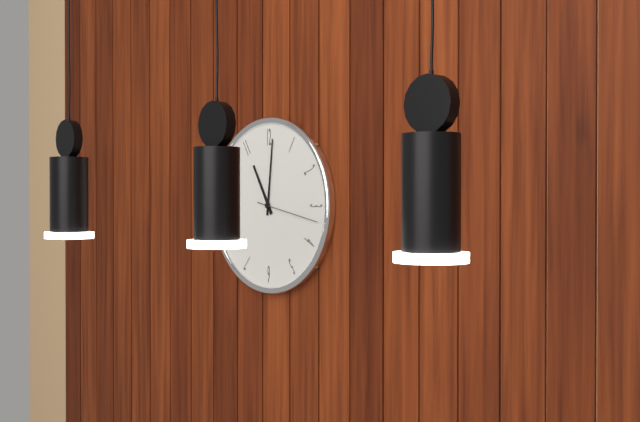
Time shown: **11:01:17**
